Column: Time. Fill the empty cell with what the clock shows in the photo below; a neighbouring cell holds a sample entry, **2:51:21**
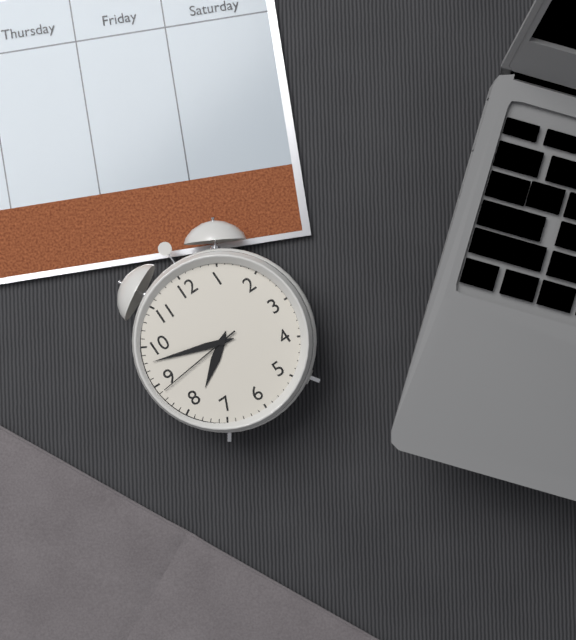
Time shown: **7:48:44**
